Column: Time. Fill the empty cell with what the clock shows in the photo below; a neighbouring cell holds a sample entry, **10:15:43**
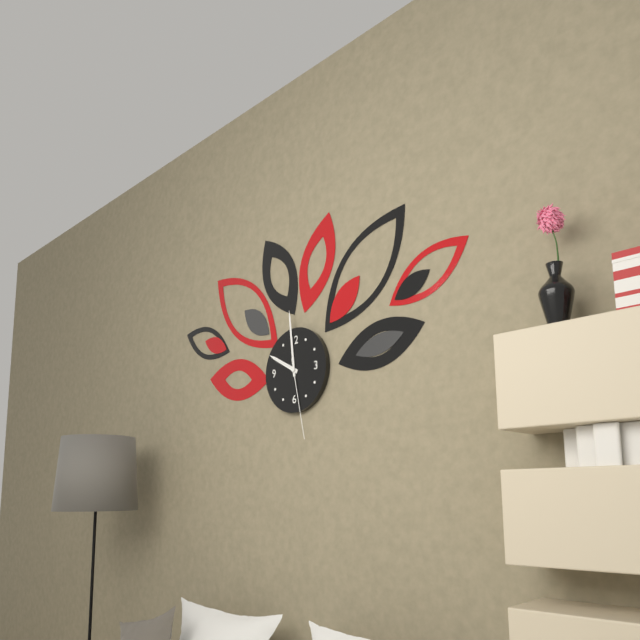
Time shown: **9:59:28**
